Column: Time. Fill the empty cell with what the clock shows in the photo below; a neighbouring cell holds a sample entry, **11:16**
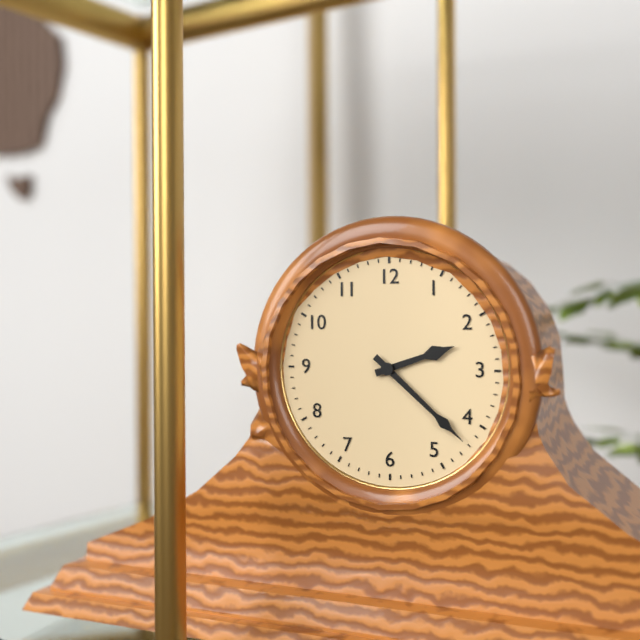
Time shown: **2:22**
